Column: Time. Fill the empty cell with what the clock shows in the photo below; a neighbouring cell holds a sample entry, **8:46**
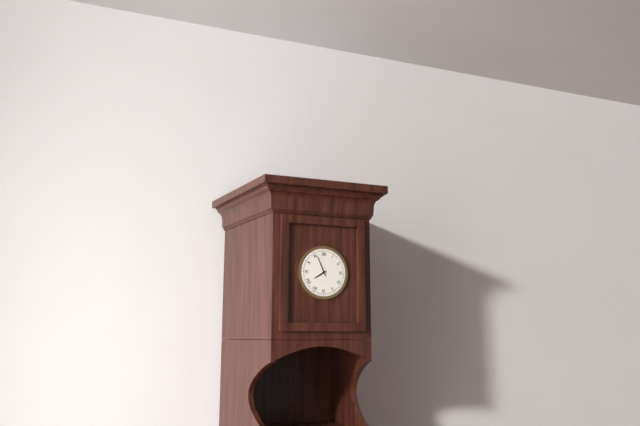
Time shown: **7:56**
